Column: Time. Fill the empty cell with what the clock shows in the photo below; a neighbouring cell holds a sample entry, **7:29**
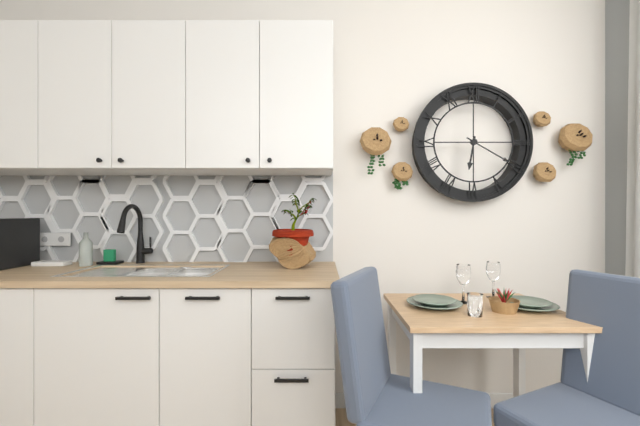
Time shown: **6:20**
